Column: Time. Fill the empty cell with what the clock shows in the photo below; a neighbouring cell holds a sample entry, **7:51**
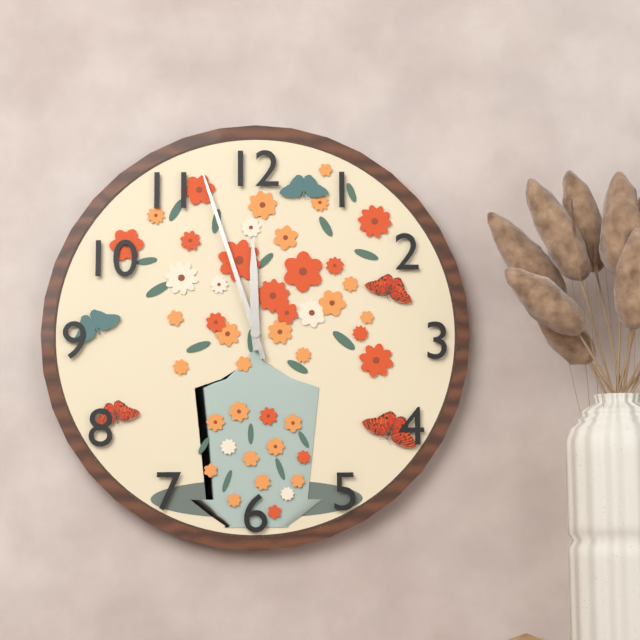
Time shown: **11:57**
